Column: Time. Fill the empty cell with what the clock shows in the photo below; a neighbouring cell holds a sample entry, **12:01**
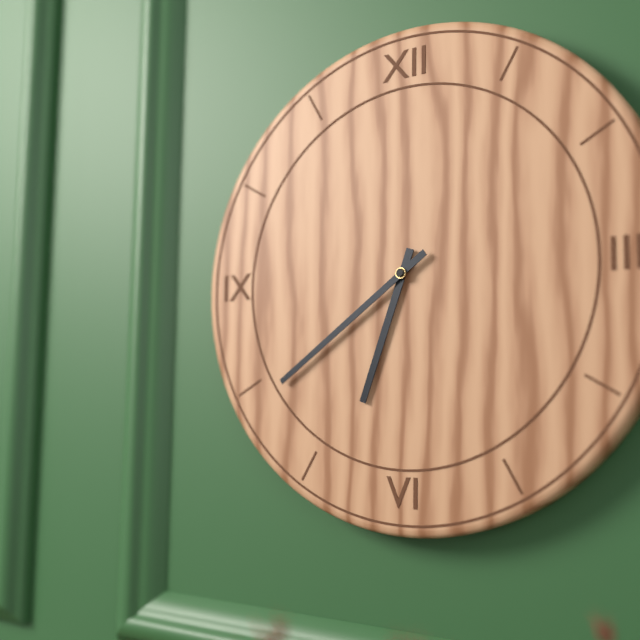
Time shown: **6:39**
